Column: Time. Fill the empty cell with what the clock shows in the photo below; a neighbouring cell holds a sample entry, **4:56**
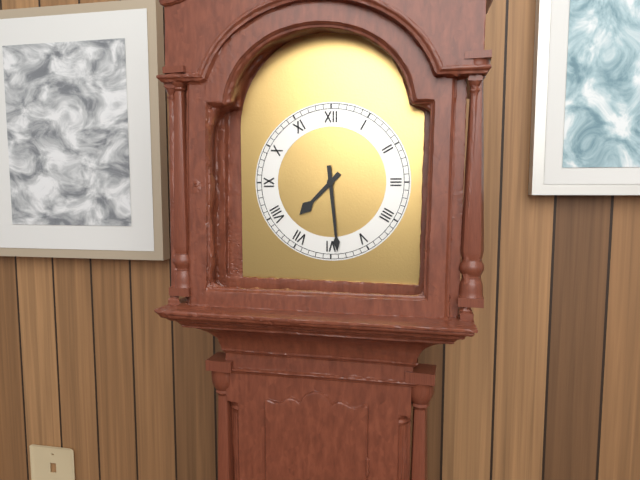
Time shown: **7:29**
